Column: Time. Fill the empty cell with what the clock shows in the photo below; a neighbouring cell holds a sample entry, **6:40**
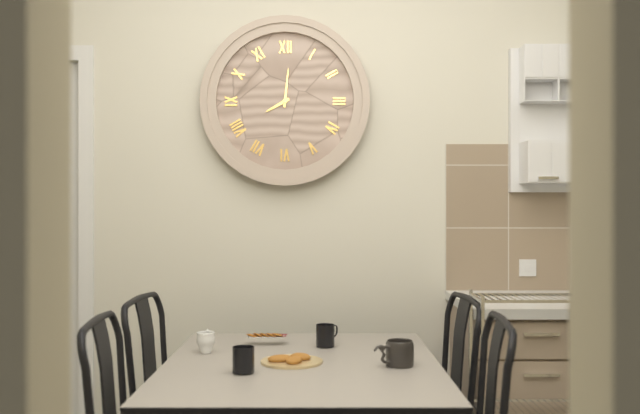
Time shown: **8:01**
